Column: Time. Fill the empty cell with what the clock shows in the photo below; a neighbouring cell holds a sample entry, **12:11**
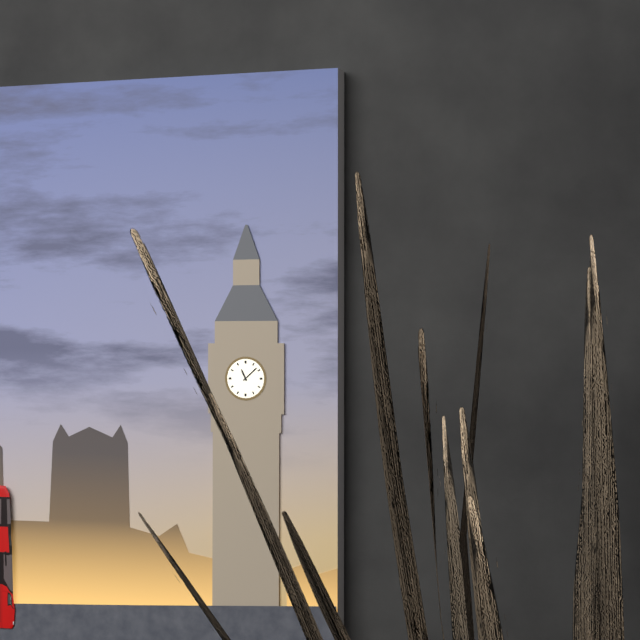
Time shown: **11:08**
